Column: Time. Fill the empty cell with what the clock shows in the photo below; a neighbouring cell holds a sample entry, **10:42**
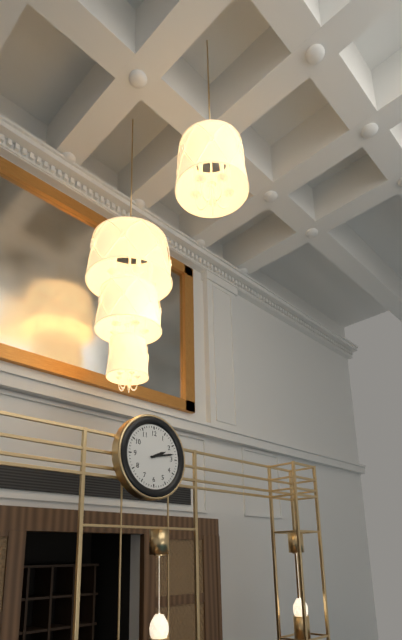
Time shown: **2:13**
